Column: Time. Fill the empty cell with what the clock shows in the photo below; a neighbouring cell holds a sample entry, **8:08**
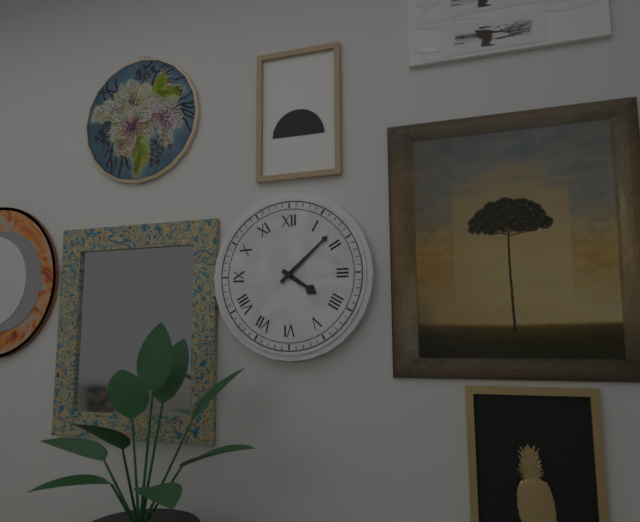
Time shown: **4:08**
